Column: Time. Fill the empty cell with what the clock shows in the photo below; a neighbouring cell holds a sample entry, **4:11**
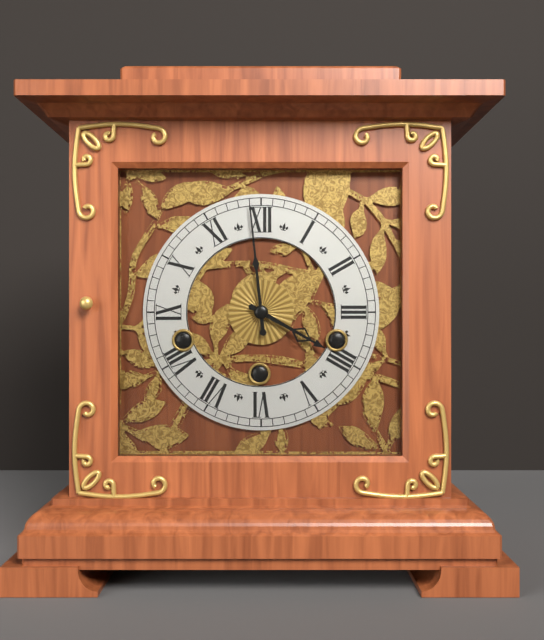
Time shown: **3:59**
